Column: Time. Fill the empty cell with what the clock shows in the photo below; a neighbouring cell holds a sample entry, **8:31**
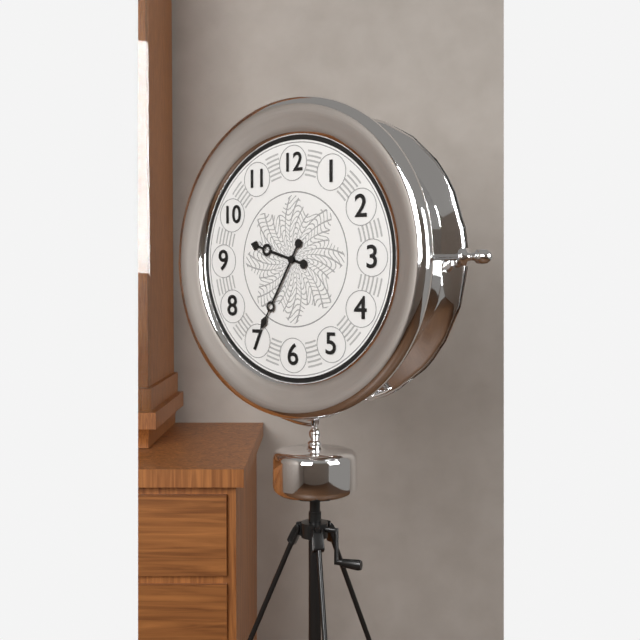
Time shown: **9:35**
